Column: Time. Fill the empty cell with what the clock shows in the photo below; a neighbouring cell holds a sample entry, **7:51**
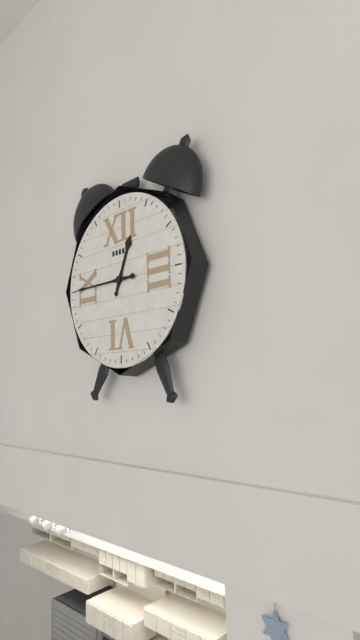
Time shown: **12:45**
